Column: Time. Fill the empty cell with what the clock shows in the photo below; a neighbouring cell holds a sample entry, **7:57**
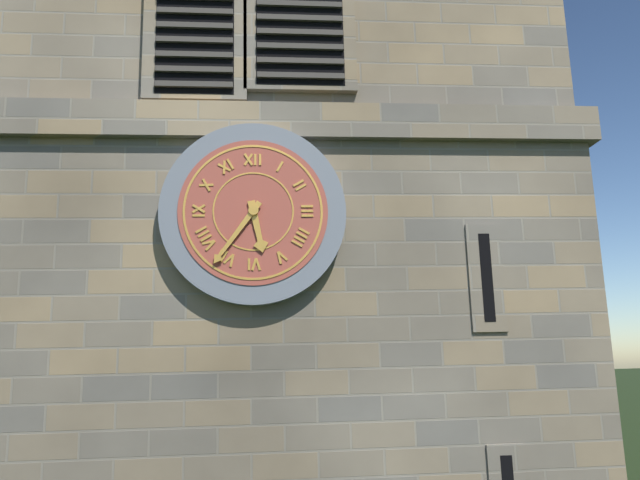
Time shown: **5:36**
